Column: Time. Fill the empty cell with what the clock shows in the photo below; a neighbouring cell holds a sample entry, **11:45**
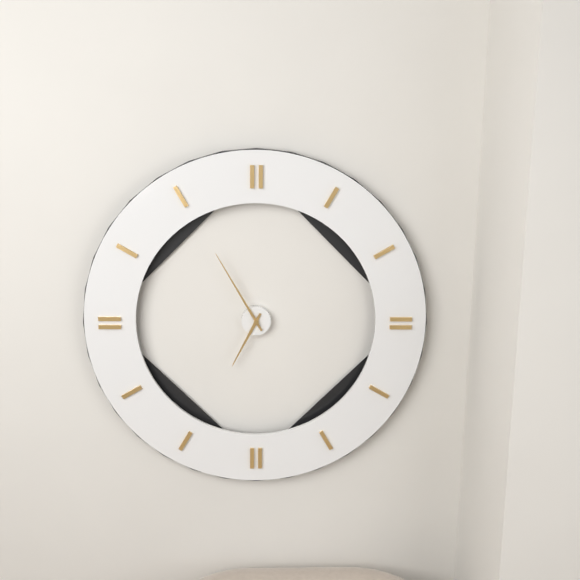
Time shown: **6:55**
